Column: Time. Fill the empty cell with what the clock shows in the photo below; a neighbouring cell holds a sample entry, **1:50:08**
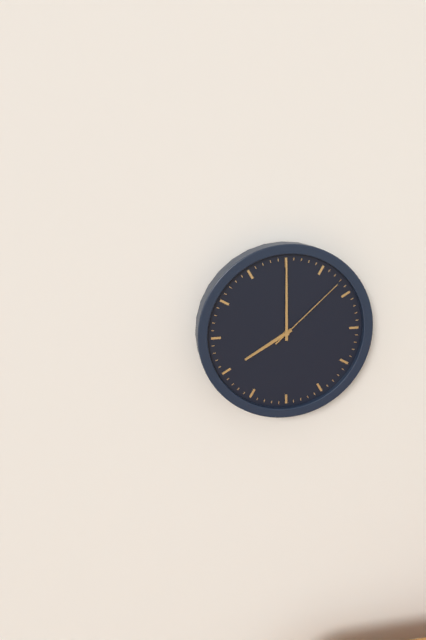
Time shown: **8:00:08**
